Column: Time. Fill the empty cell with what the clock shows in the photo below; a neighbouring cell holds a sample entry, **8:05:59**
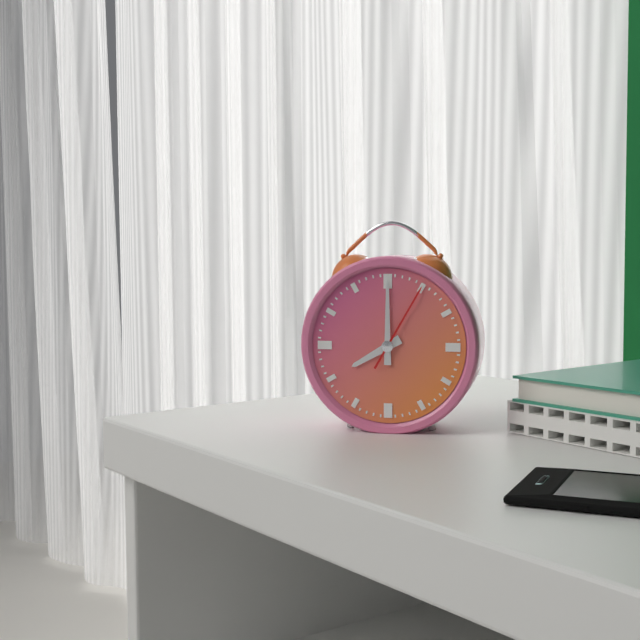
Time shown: **8:00:05**
